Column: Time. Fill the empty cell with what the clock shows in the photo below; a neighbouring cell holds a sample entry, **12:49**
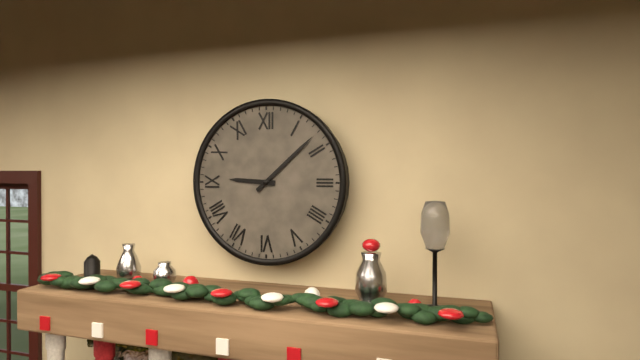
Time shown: **9:08**
